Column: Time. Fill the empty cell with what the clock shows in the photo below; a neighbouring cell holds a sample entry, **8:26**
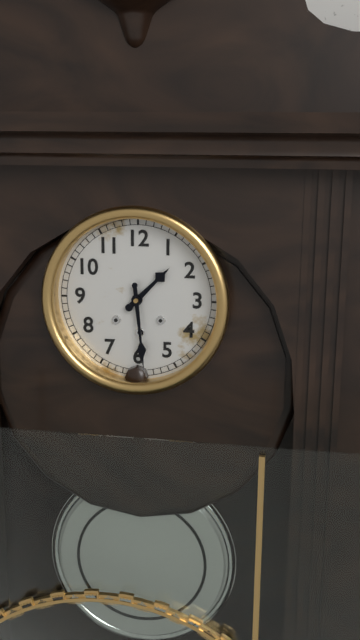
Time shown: **1:29**
